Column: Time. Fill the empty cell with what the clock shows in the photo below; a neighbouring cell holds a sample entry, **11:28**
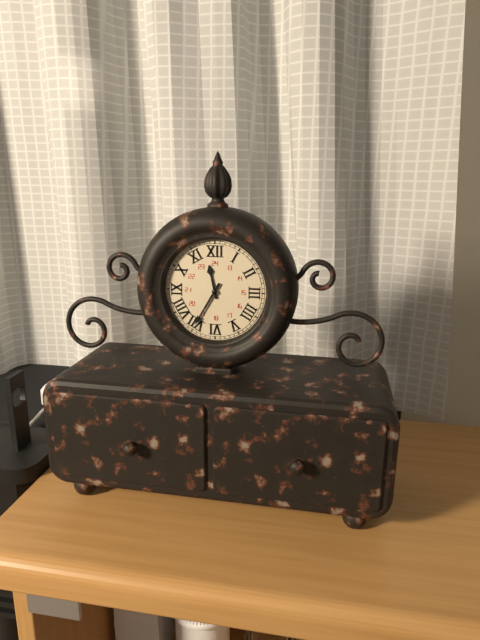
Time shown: **11:35**
